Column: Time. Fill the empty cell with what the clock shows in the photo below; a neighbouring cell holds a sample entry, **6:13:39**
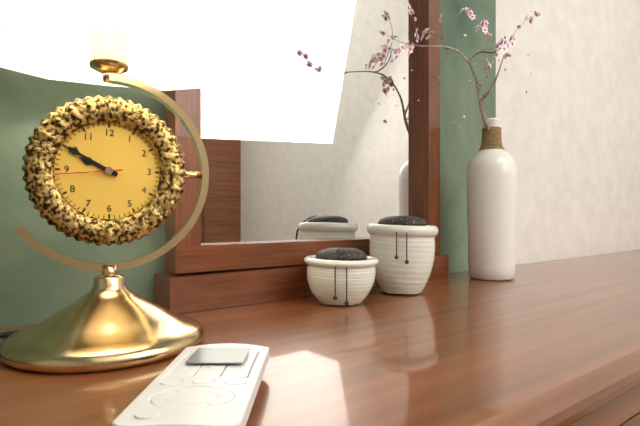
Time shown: **9:50:44**
